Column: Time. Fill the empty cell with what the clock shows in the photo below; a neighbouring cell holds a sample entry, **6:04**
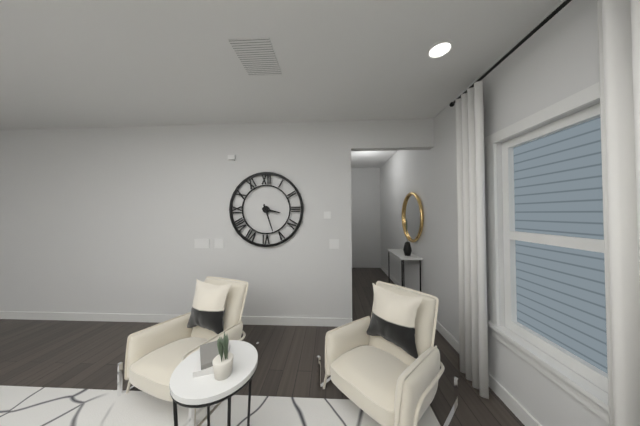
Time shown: **3:27**
